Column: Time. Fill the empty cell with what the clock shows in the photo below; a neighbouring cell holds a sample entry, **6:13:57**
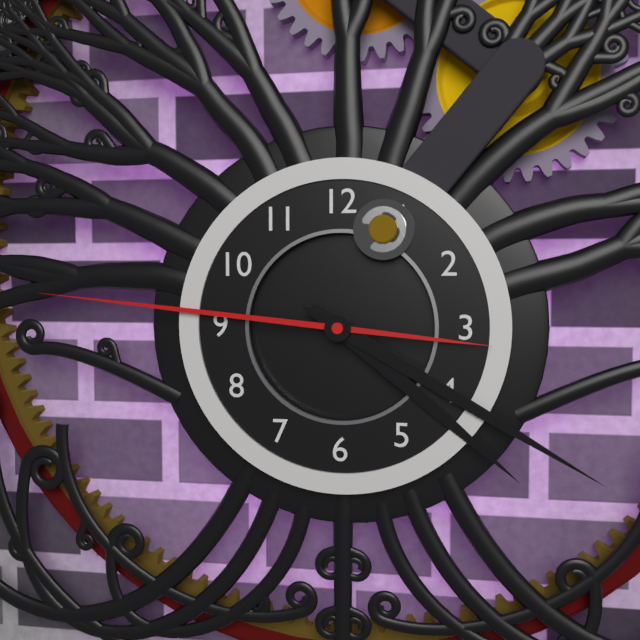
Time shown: **4:20:46**
